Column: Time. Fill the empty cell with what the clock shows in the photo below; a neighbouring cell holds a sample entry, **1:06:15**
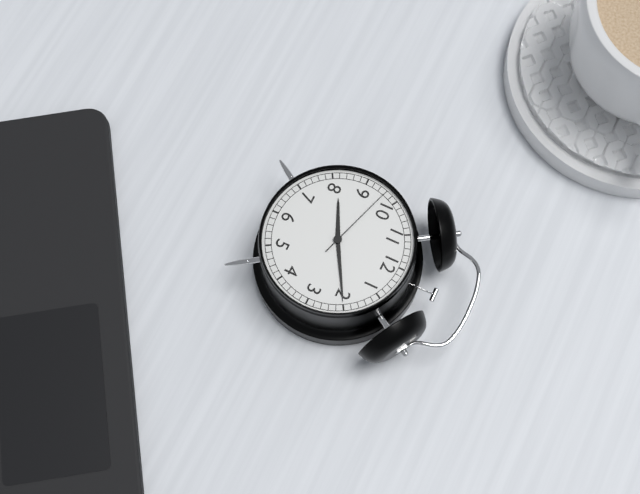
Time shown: **8:10:48**
